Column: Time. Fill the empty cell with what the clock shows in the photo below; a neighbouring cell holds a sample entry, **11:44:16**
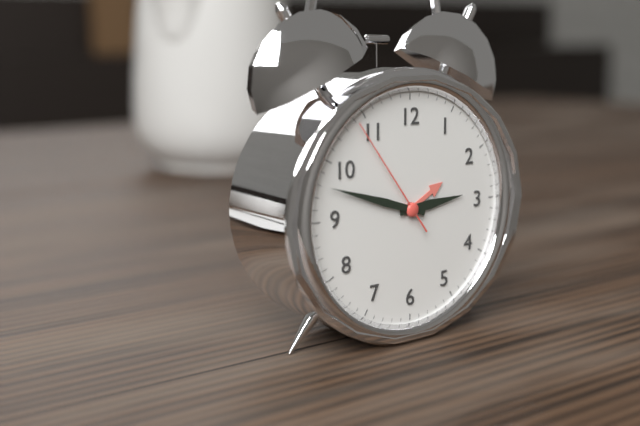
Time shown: **2:48:54**
